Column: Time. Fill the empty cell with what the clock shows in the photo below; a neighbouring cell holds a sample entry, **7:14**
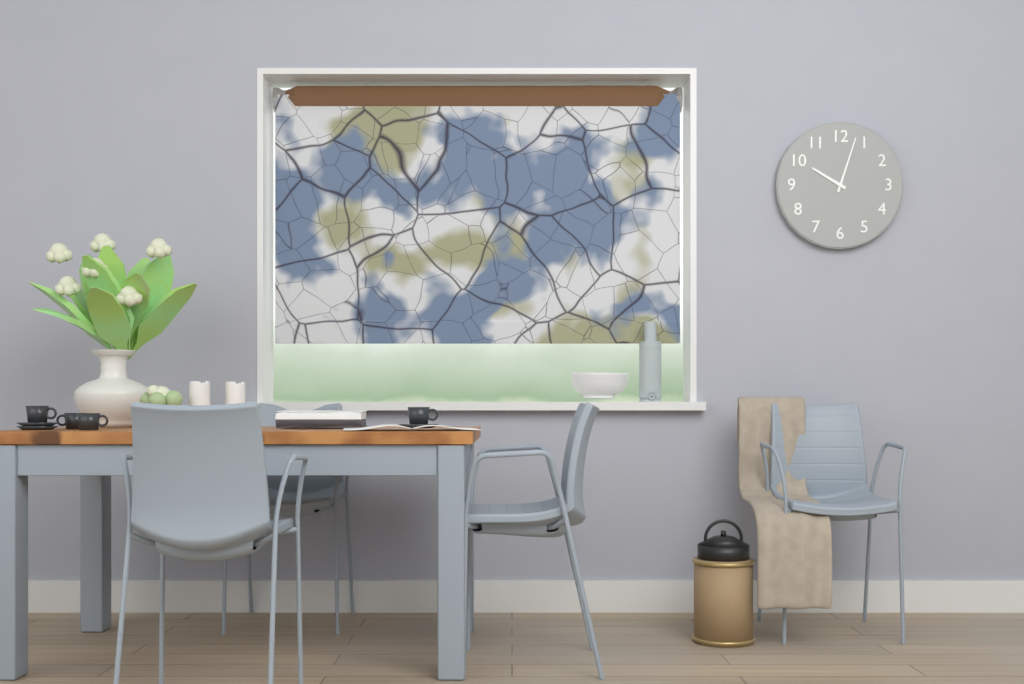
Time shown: **10:03**
